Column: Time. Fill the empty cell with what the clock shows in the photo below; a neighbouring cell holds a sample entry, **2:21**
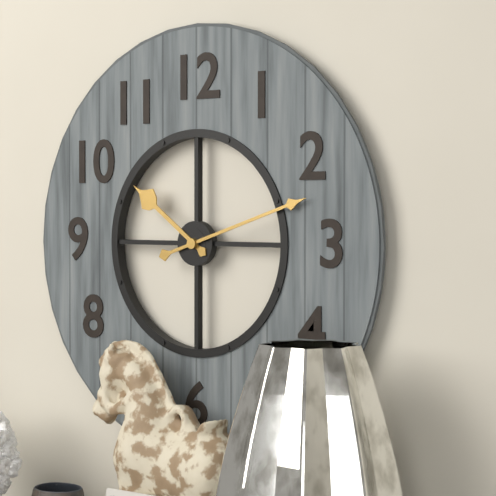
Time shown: **10:12**
